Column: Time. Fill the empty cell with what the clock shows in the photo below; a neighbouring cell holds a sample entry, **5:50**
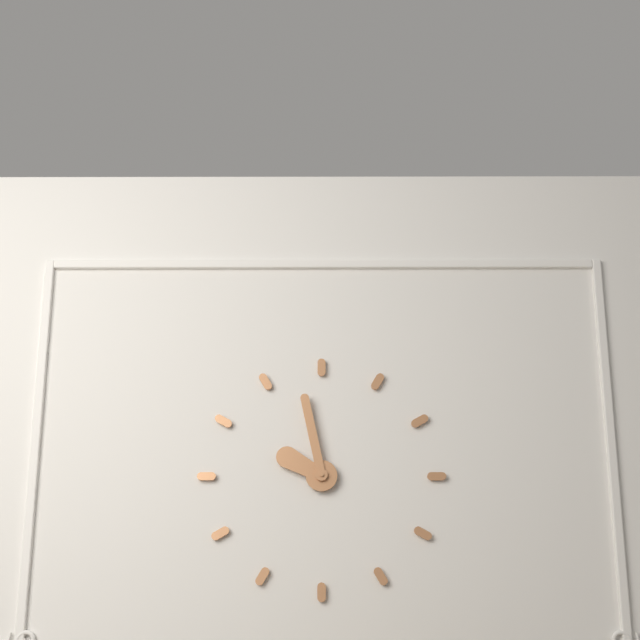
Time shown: **9:58**
